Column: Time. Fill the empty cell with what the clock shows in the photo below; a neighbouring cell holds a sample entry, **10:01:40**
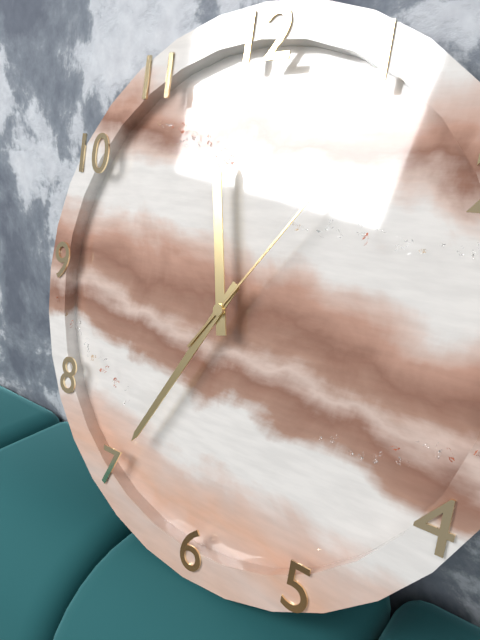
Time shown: **11:35:06**
